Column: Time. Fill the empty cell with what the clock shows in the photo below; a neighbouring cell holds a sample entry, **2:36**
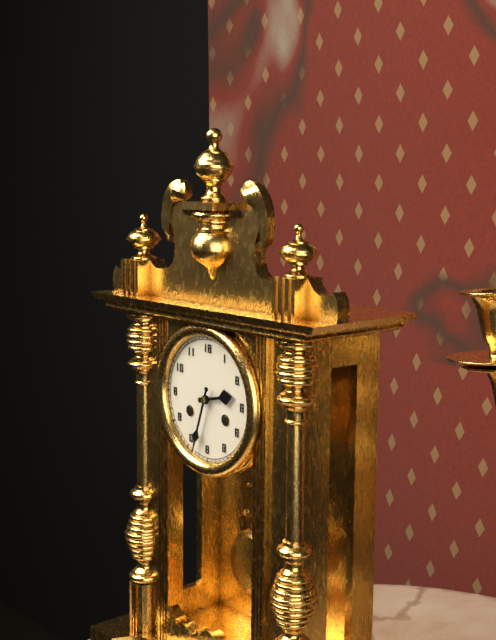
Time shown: **2:33**
